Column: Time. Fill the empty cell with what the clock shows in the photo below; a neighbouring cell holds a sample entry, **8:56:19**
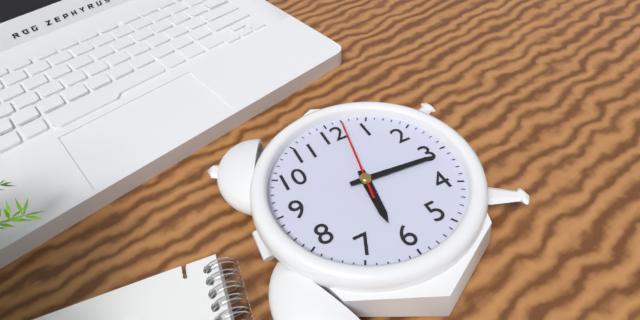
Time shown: **6:16:02**
